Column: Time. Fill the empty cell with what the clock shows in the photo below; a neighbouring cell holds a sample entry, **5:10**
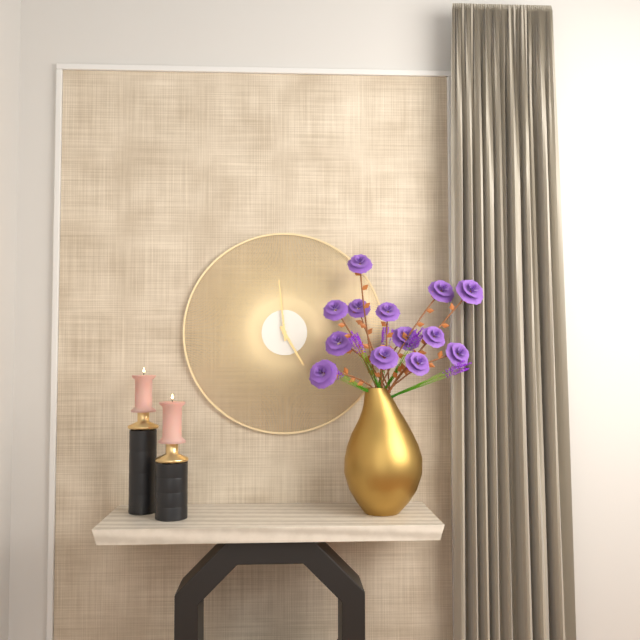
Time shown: **4:59**
